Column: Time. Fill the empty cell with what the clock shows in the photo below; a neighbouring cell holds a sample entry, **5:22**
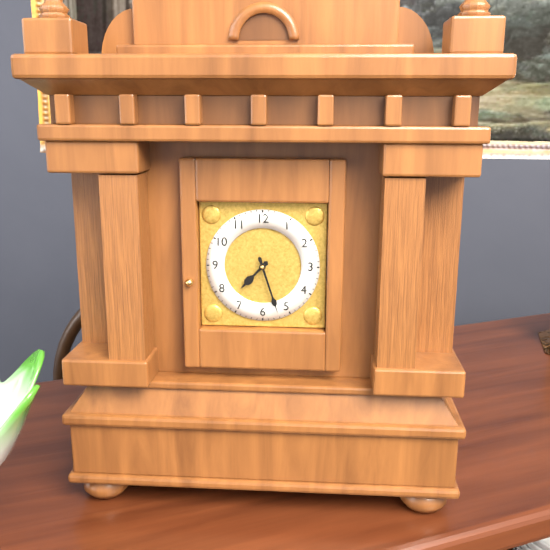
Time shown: **7:27**
